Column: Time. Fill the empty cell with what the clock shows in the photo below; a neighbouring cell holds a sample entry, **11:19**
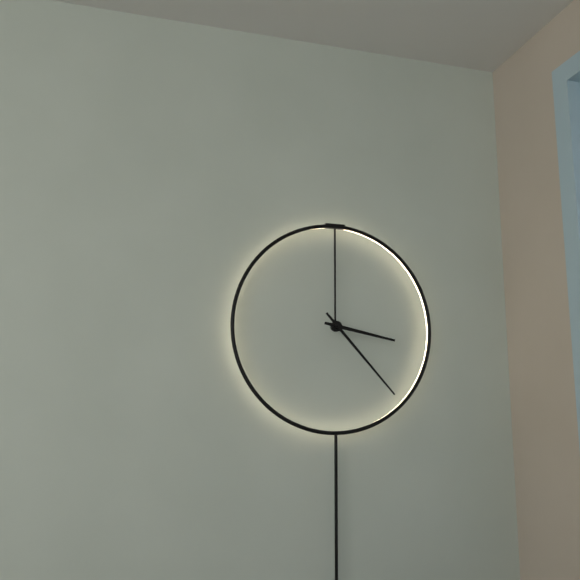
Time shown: **3:23**
